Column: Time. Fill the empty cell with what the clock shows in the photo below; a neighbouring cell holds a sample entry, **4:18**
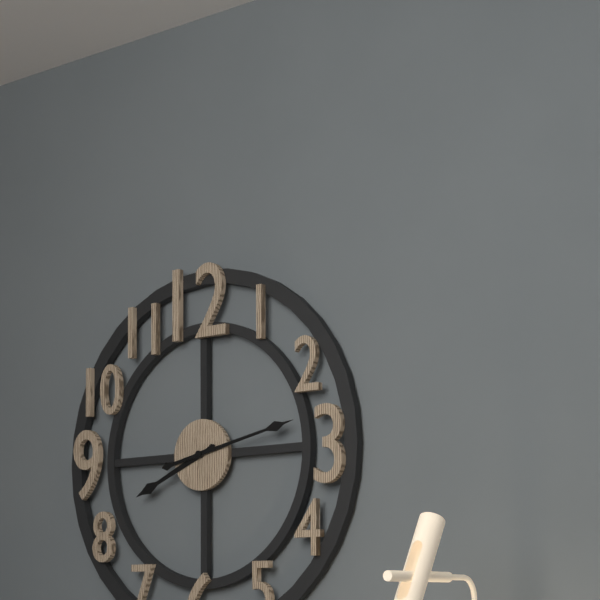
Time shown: **8:13**
